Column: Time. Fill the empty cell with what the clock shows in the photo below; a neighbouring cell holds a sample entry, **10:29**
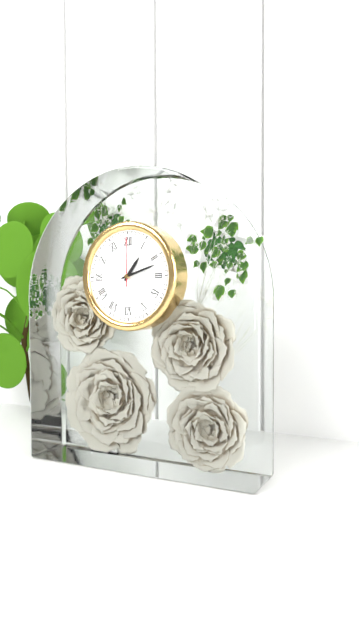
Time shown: **1:12**
